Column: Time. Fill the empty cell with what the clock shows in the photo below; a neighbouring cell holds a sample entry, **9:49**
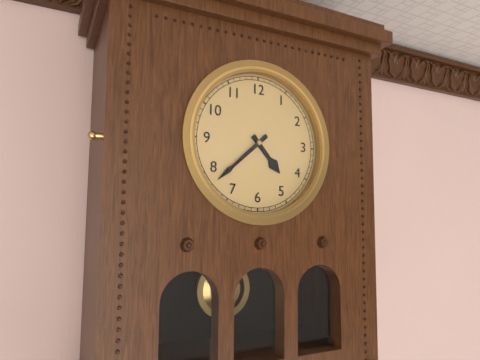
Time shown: **4:38**
